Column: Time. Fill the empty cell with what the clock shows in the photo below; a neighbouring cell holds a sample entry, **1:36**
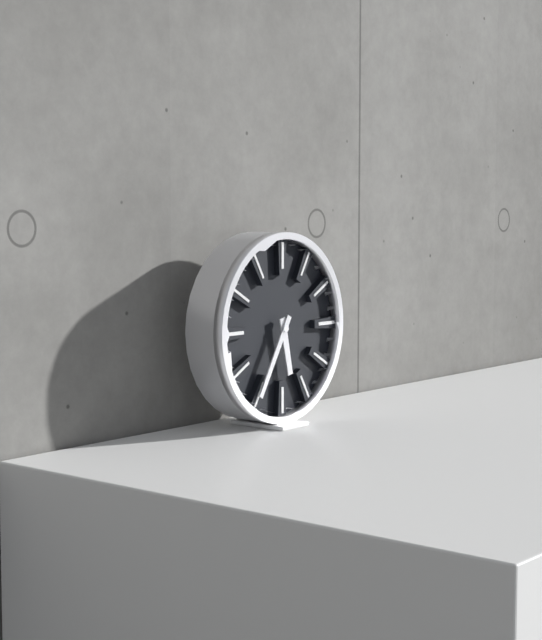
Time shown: **5:35**
